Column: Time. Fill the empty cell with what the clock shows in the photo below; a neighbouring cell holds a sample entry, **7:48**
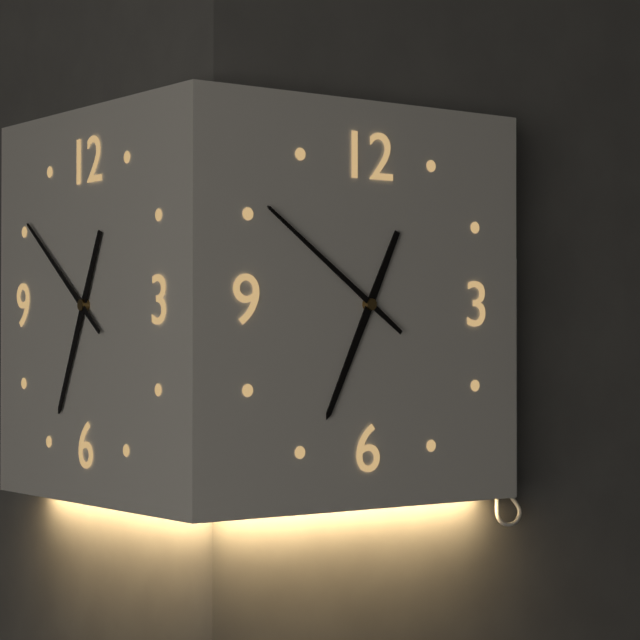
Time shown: **6:51**
